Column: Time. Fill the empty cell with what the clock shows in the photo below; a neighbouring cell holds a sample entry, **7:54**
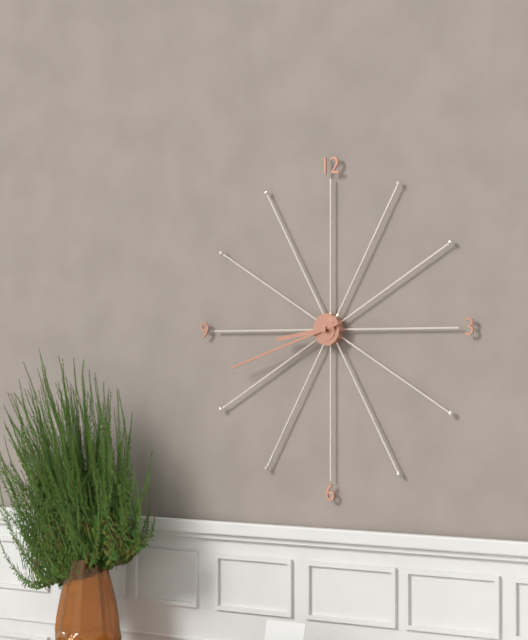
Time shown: **8:42**
